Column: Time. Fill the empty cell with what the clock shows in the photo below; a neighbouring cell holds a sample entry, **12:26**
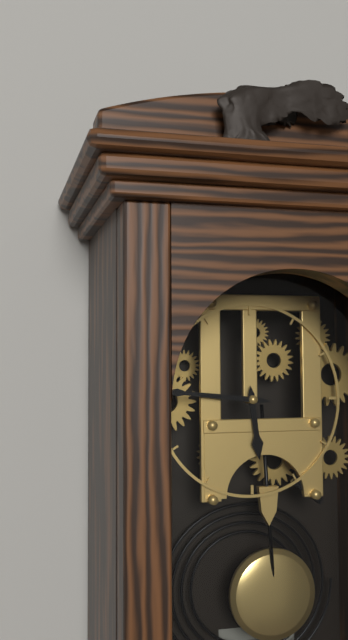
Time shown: **5:46**
